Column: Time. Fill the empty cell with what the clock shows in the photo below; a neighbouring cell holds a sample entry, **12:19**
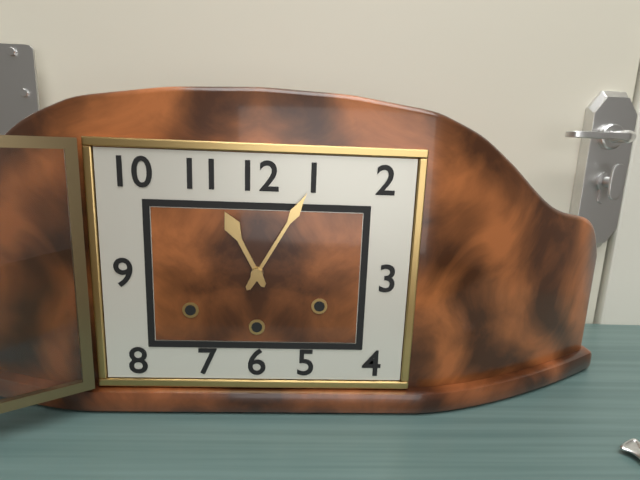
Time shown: **11:05**
